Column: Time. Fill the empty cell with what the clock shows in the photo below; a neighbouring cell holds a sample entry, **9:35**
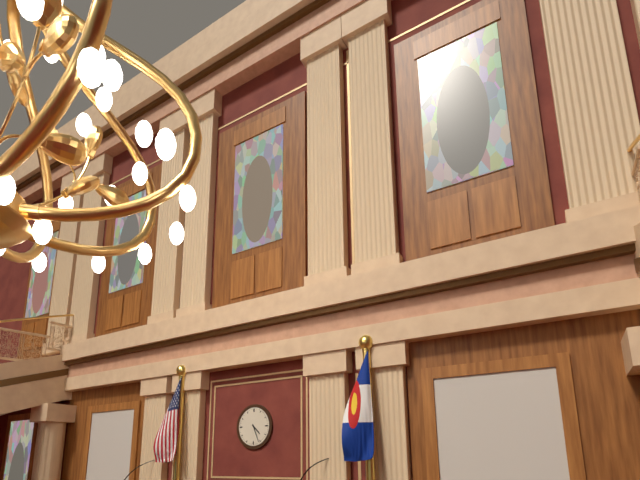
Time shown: **4:26**
